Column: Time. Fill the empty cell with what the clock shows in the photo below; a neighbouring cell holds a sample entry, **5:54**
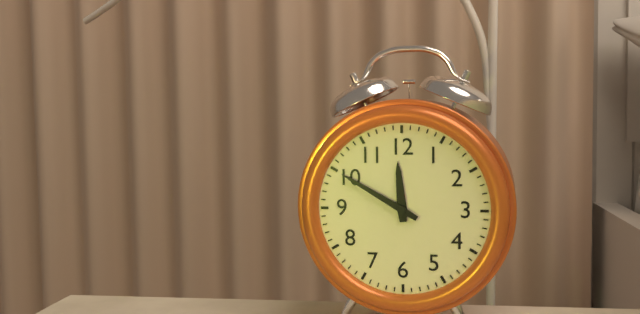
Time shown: **11:50**
